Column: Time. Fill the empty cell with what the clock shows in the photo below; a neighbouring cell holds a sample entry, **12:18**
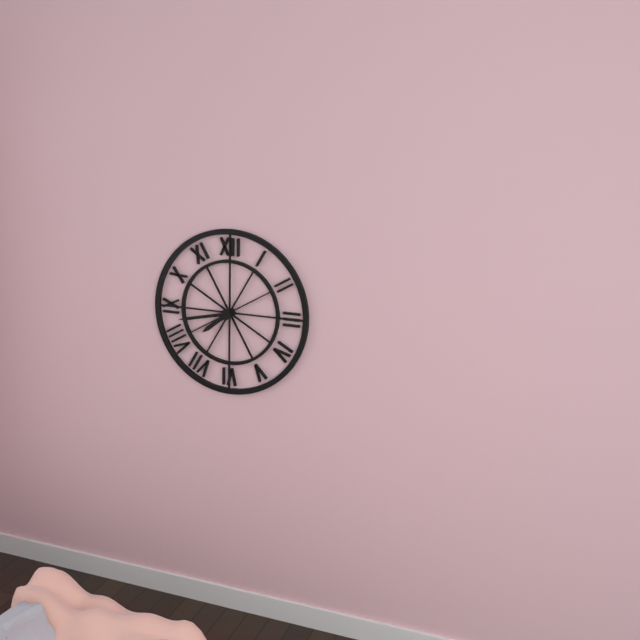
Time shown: **7:43**
